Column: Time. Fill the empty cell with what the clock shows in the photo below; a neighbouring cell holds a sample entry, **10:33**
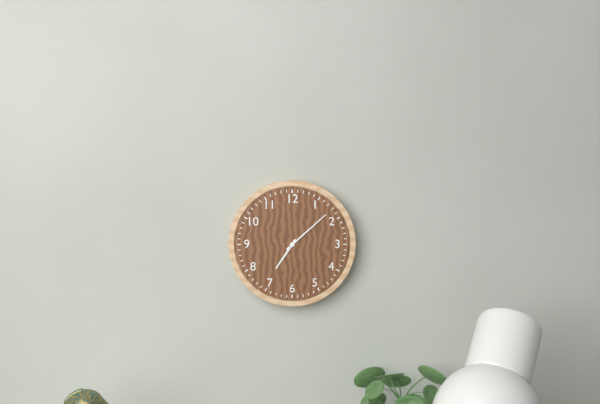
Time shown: **7:08**
